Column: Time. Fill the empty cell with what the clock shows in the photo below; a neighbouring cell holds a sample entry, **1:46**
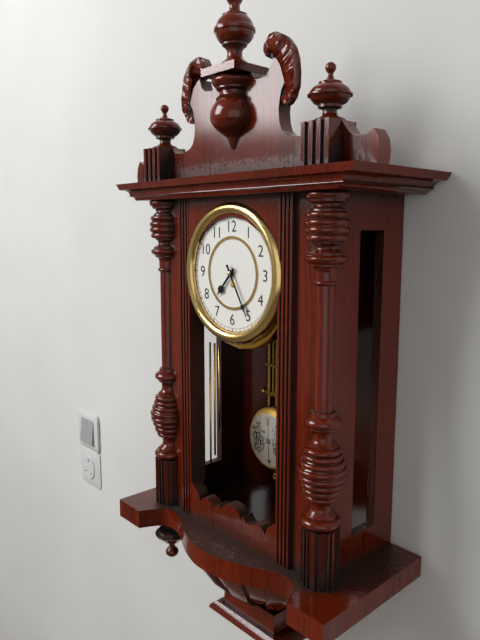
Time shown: **7:25**
